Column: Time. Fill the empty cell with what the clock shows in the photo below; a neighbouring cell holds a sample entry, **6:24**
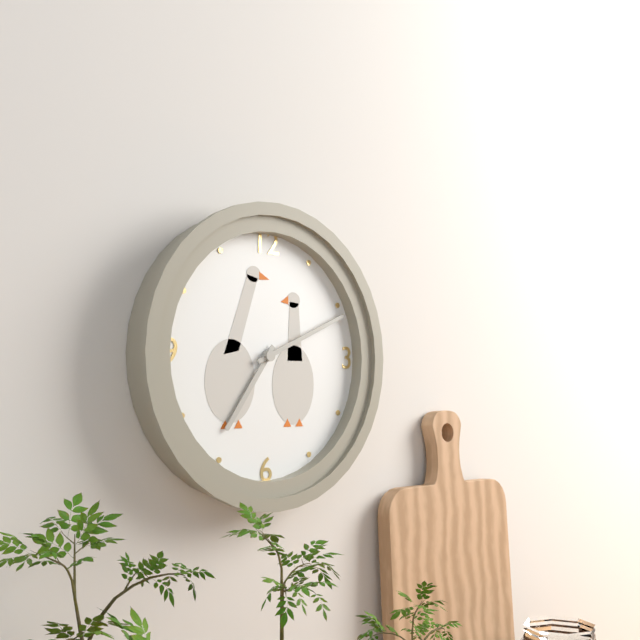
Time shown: **7:11**
